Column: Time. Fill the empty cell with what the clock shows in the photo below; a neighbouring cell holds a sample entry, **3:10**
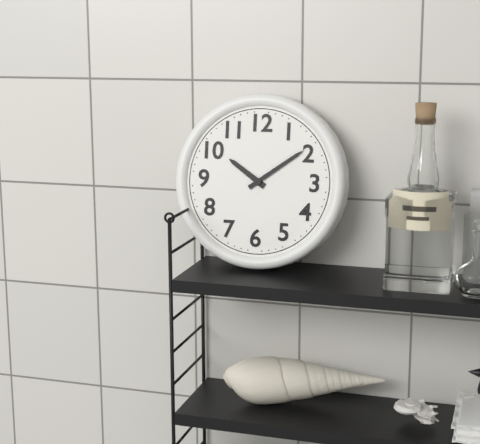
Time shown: **10:09**
